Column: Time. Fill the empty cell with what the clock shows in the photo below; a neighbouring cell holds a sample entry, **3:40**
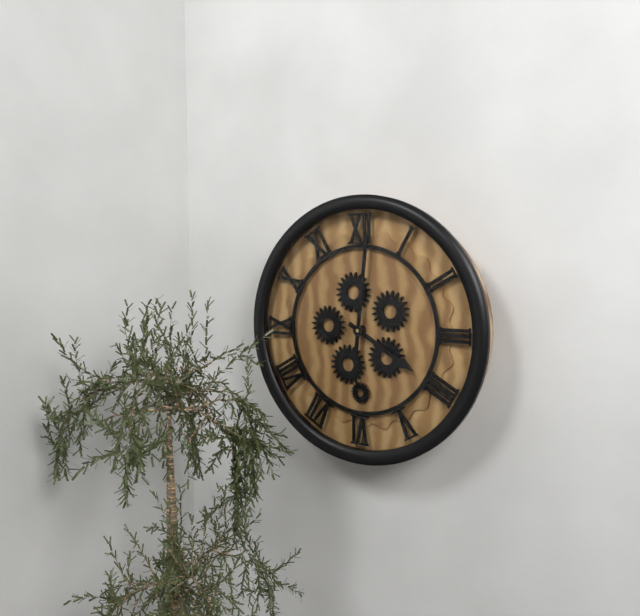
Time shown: **4:01**
